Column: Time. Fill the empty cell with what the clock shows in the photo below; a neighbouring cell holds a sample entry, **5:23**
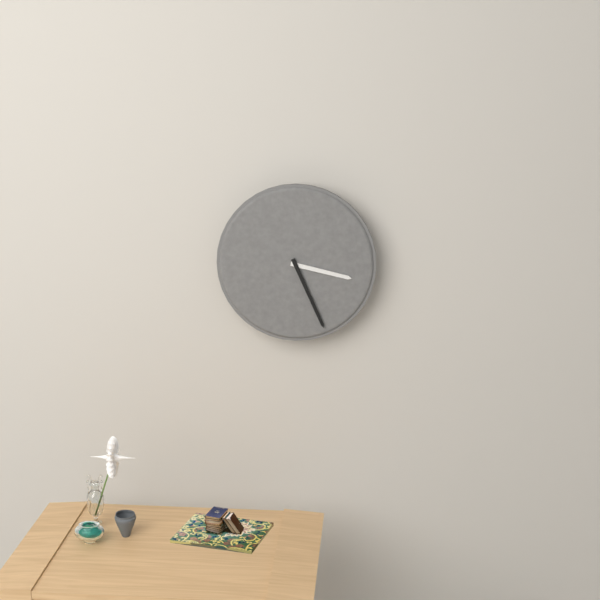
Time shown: **3:26**
